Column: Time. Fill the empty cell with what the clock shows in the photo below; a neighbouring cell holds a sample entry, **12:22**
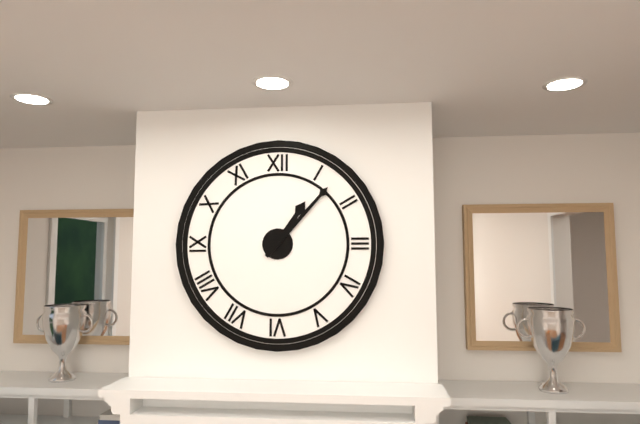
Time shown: **1:07**
